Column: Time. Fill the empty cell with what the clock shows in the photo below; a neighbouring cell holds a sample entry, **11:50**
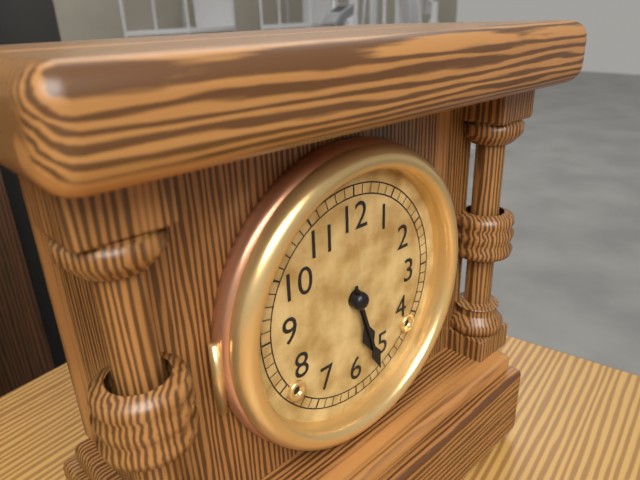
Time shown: **5:27**
